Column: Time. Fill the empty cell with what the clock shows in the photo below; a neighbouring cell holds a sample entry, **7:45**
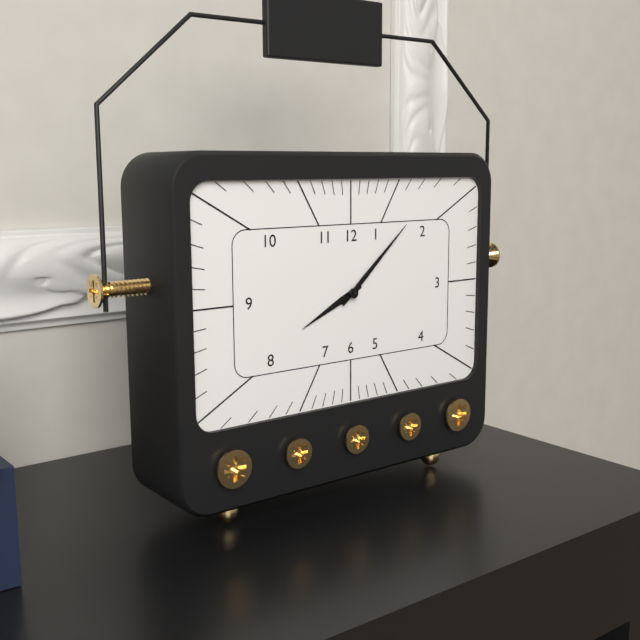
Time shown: **8:08**
